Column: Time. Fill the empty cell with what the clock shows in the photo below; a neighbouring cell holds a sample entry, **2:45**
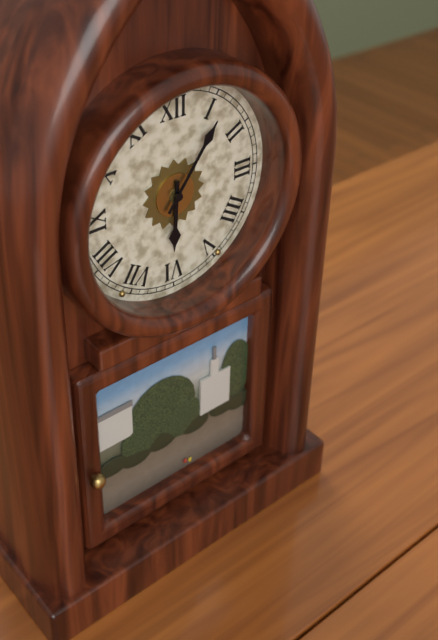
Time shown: **6:06**
